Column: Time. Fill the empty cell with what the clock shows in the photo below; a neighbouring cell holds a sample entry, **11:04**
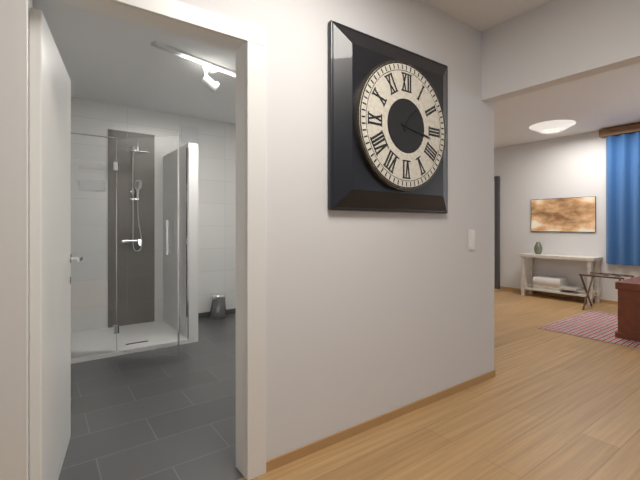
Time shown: **1:17**
